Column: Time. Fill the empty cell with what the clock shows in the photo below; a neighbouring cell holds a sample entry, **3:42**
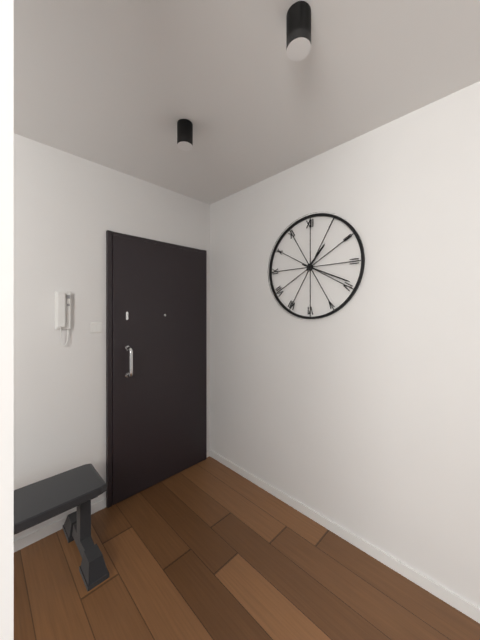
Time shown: **1:19**
